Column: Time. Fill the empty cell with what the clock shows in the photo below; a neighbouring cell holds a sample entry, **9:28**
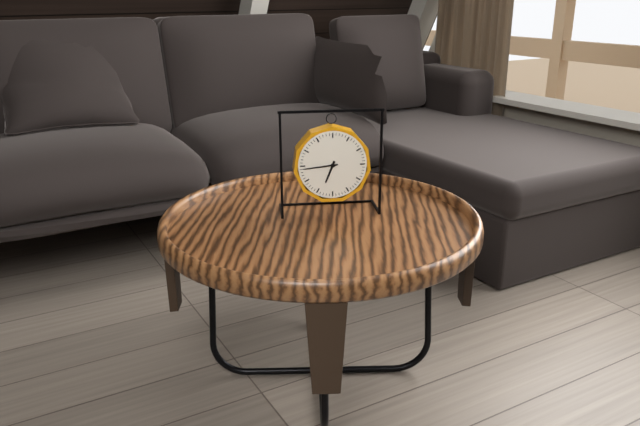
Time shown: **6:44**
